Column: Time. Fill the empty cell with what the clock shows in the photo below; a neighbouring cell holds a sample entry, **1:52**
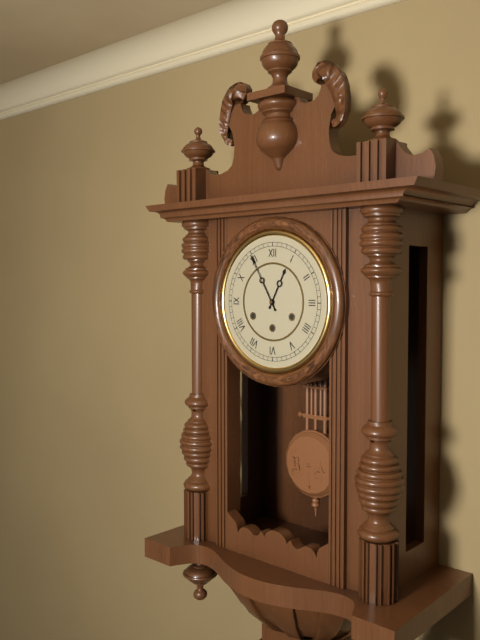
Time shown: **12:55**
